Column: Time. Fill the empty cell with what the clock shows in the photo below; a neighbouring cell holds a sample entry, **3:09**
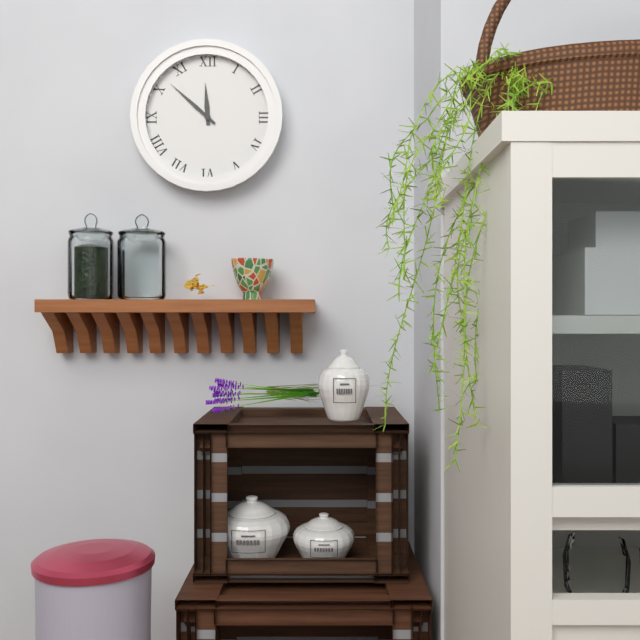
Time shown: **11:52**
